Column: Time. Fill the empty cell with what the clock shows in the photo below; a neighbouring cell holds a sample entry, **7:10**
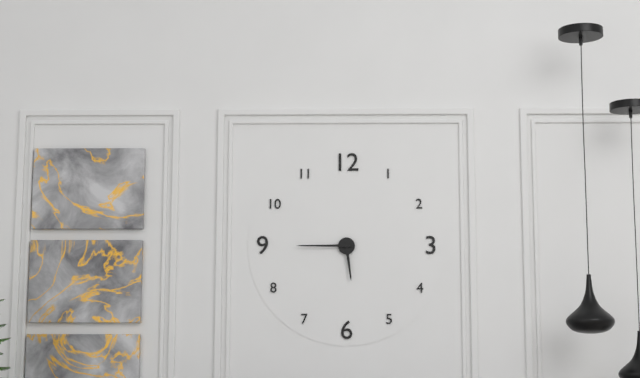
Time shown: **5:45**
